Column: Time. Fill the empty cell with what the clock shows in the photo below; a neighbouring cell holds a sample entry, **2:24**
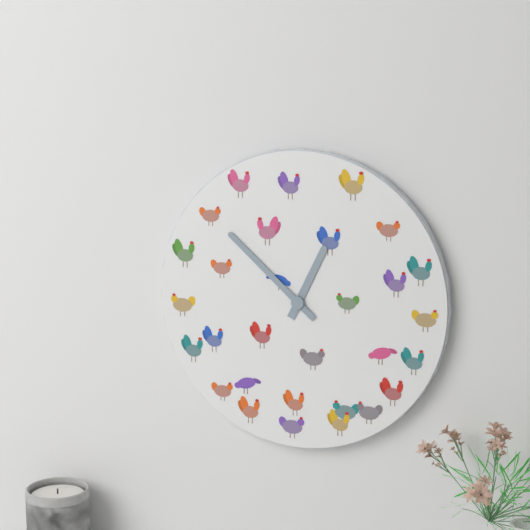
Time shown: **12:52**
